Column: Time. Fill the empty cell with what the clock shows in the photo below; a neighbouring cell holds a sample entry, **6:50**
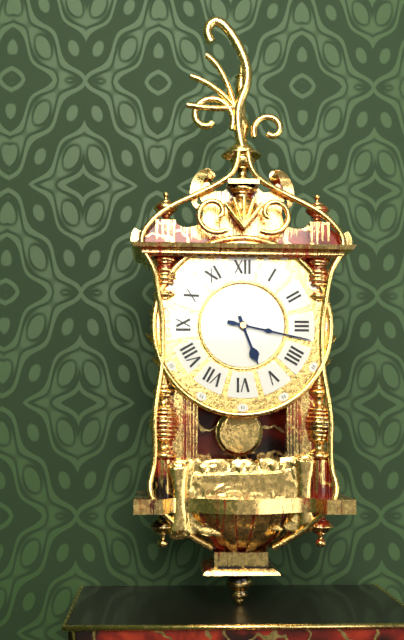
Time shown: **5:17**
